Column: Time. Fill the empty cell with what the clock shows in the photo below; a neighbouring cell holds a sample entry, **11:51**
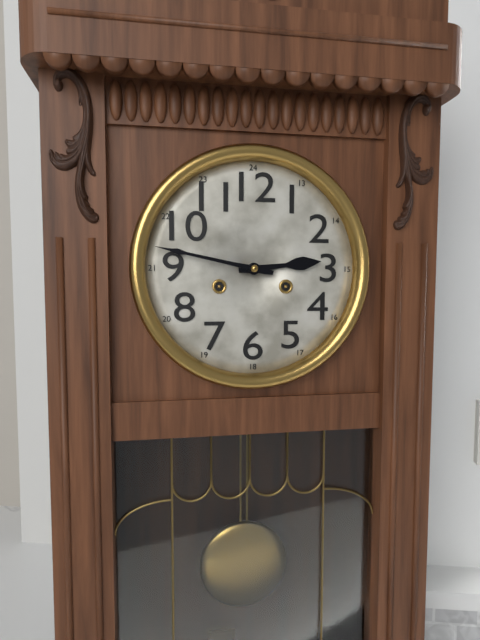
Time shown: **2:47**
